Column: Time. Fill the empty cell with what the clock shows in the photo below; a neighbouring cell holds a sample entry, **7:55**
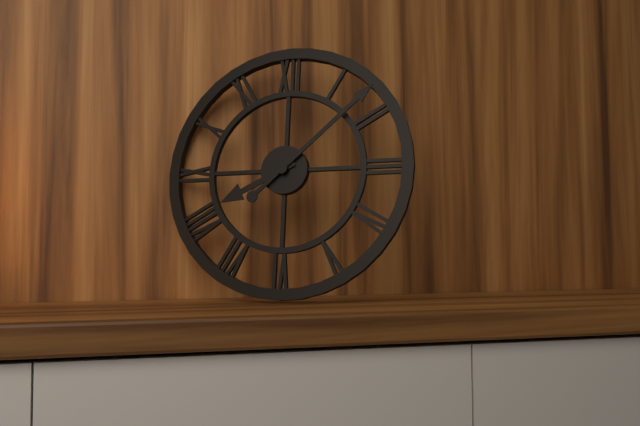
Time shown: **8:08**
